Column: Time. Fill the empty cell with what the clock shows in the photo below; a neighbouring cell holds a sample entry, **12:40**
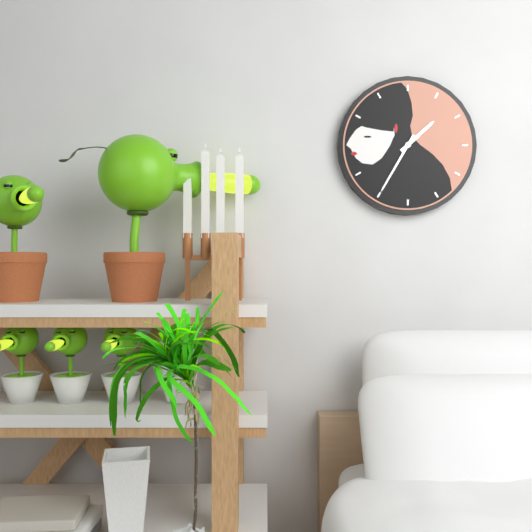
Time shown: **1:35**
